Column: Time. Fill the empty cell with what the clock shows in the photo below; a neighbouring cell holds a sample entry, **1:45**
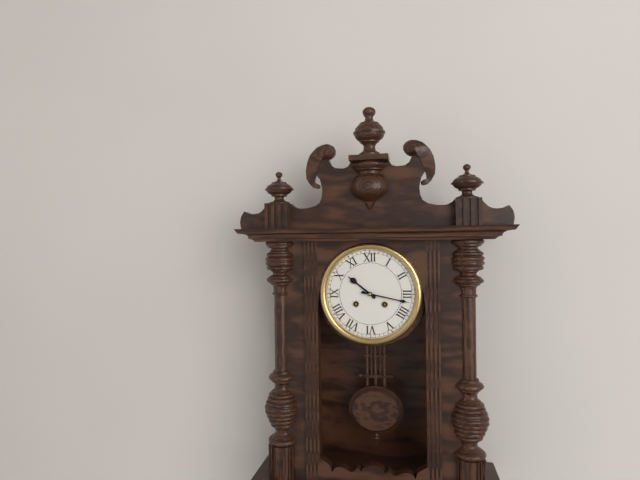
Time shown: **10:17**
